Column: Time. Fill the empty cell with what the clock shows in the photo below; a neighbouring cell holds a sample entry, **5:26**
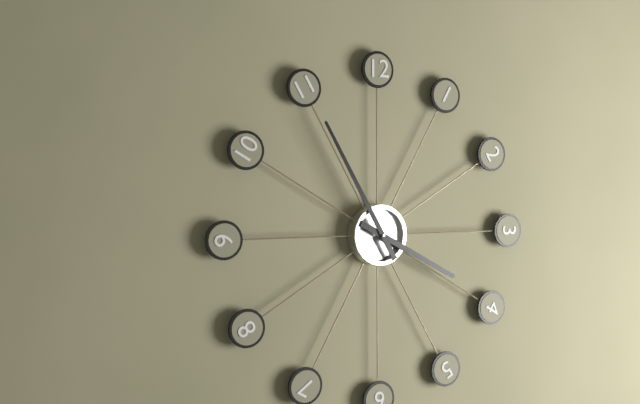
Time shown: **3:55**
